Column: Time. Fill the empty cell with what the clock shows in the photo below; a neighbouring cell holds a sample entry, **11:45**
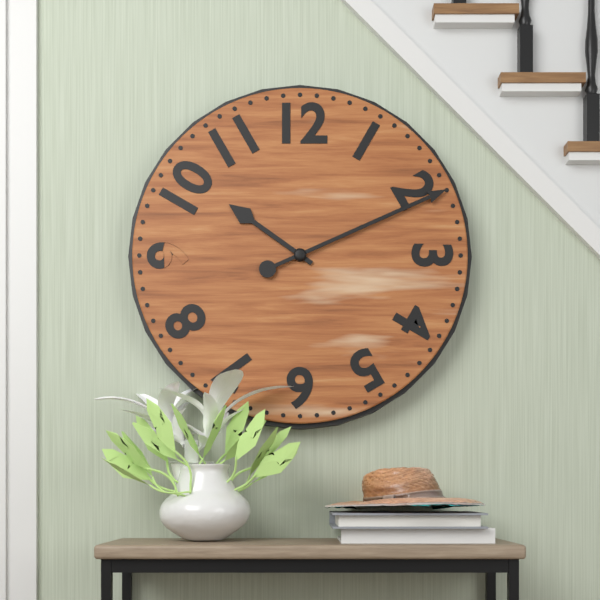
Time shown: **10:11**
